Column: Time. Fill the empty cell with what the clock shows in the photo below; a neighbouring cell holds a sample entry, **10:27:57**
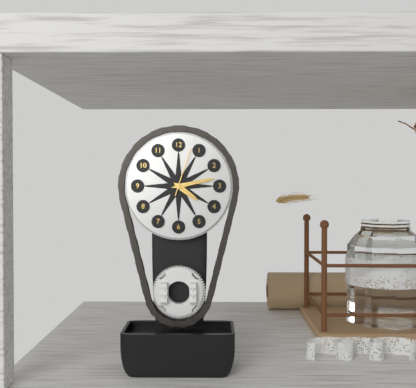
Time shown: **4:13:03**
